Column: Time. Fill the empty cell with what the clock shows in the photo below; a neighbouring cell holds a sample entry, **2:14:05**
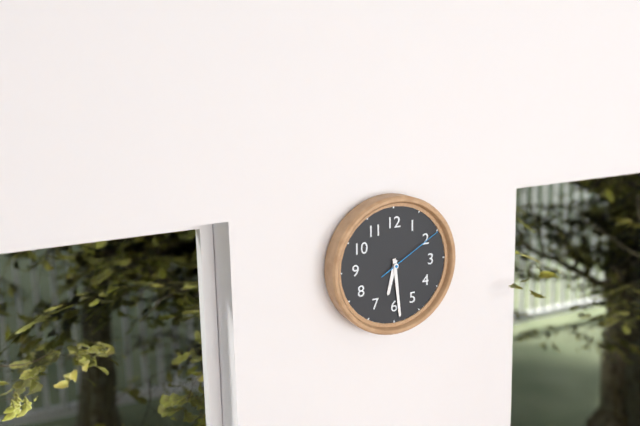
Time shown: **6:29:10**
